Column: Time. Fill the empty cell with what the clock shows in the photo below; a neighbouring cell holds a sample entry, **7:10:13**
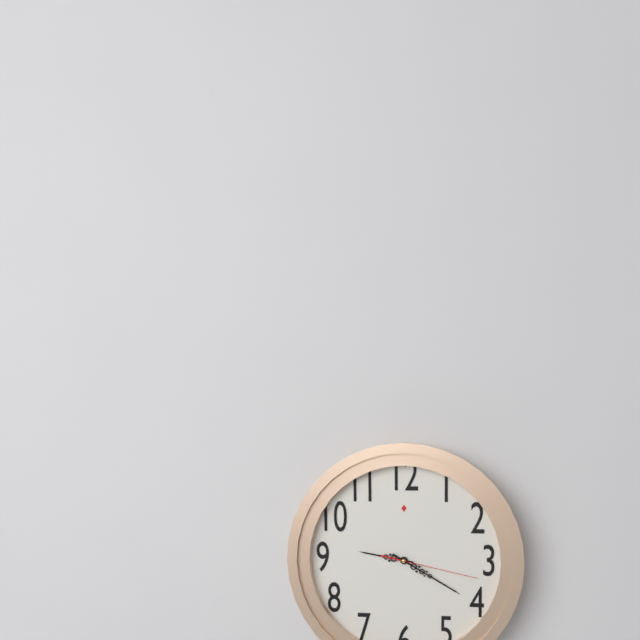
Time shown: **9:20:17**
